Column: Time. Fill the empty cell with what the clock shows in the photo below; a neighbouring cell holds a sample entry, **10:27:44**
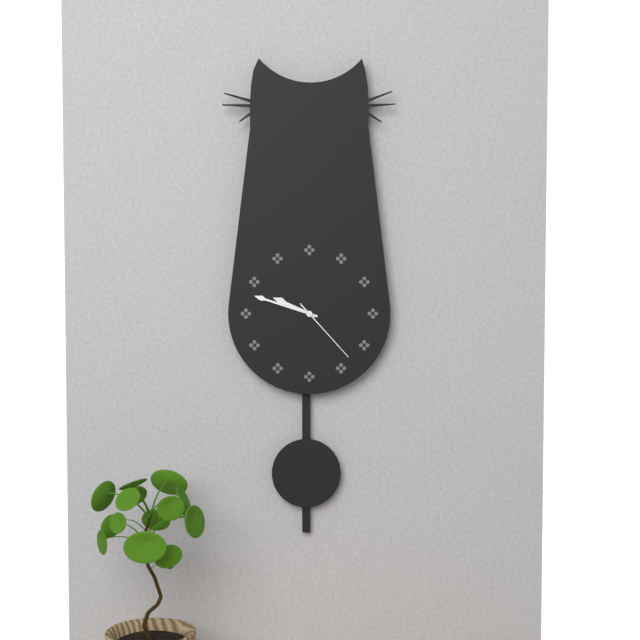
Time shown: **9:48:23**
